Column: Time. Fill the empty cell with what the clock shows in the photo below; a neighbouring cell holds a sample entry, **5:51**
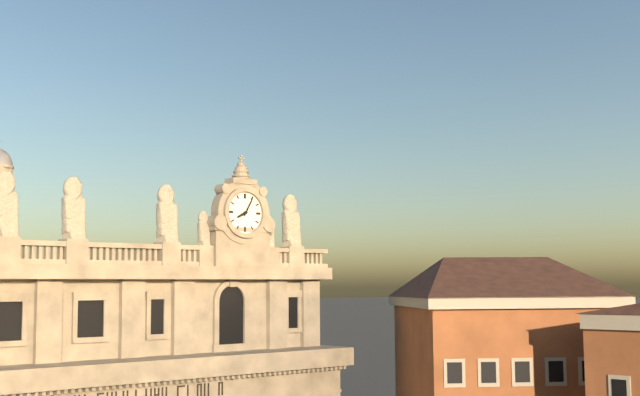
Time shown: **8:05**
